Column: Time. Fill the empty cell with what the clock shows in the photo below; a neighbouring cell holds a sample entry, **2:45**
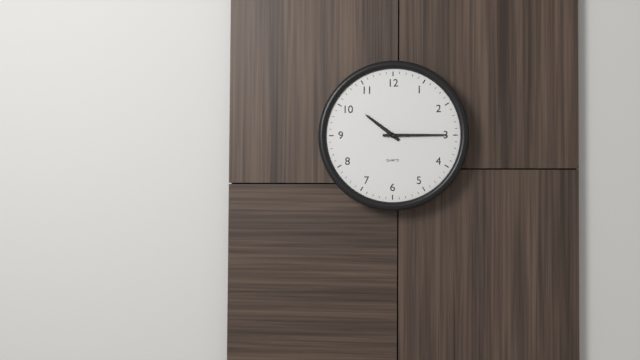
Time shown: **10:15**
